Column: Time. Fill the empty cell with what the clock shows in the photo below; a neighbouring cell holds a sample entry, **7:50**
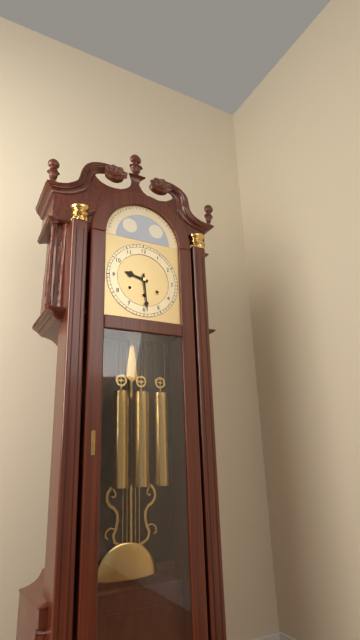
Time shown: **9:29**
